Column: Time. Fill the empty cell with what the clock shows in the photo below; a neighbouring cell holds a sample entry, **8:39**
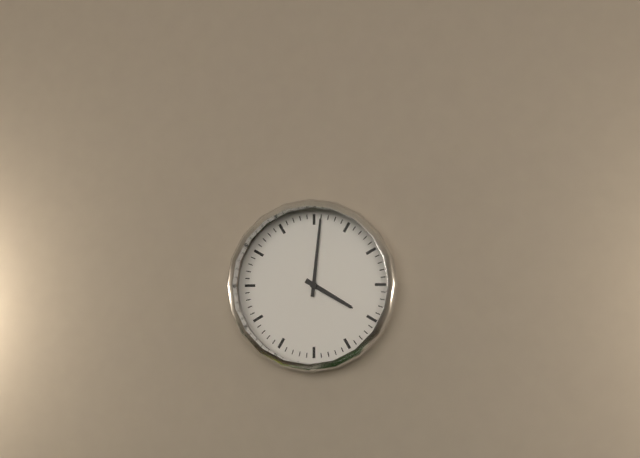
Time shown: **4:01**
